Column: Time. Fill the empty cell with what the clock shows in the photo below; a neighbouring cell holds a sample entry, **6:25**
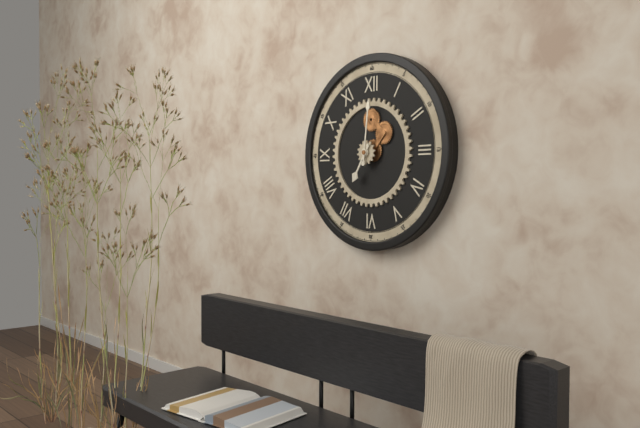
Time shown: **7:01**
